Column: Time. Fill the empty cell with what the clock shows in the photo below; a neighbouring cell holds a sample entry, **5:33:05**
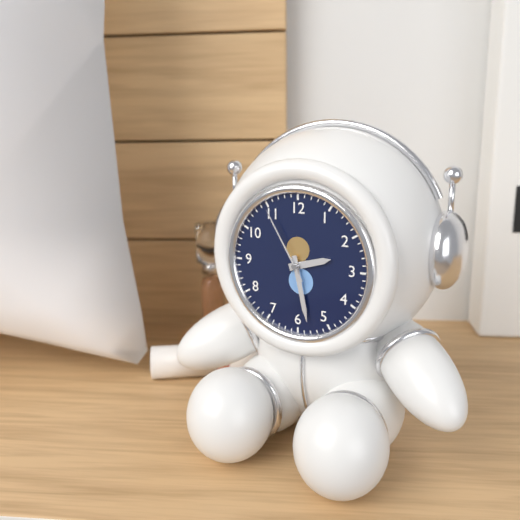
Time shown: **2:28:55**
